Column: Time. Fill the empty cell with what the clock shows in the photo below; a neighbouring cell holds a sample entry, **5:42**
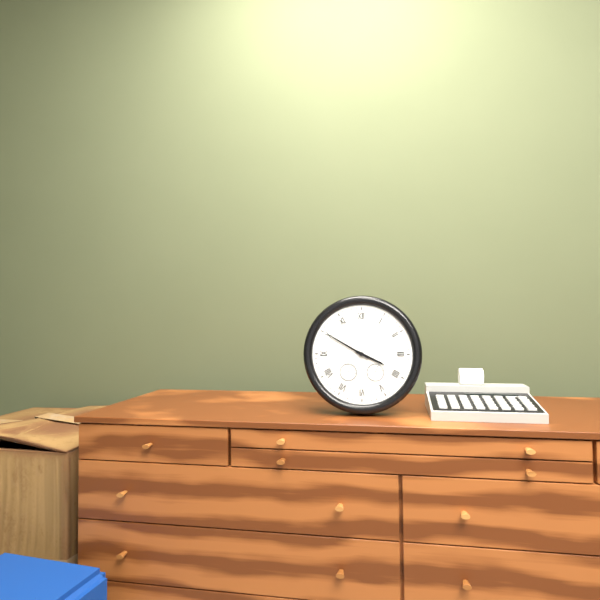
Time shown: **3:50**
